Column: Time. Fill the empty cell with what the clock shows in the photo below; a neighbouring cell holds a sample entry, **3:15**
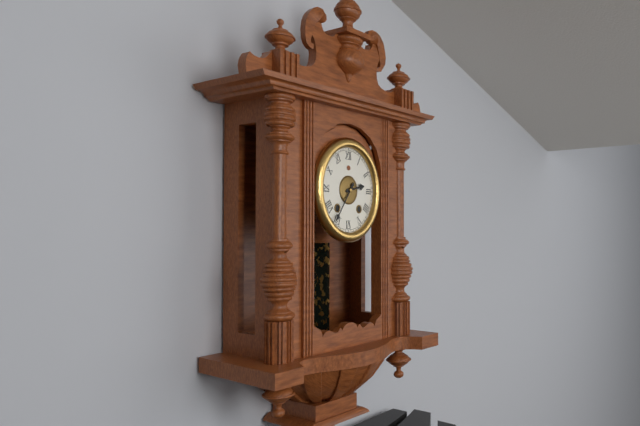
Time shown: **2:36**
